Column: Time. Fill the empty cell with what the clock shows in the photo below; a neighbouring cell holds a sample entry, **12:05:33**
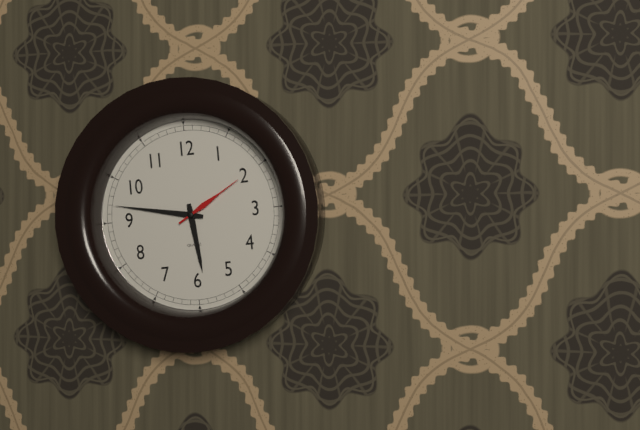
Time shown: **5:47:10**
